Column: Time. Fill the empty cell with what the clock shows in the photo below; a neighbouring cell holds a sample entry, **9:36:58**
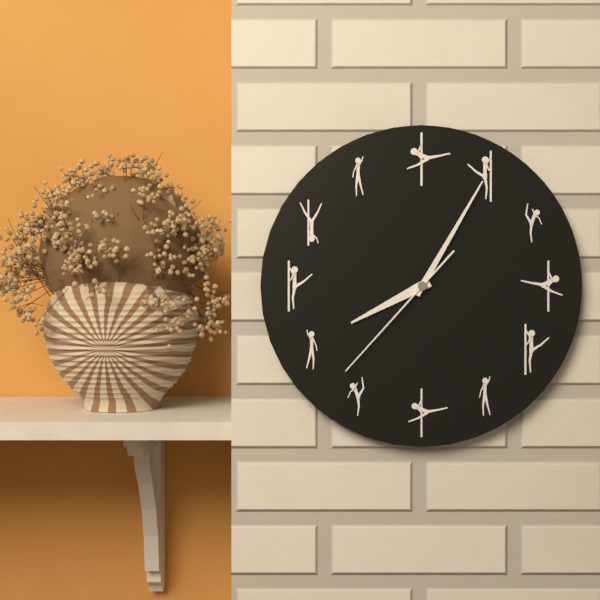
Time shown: **8:05:37**
